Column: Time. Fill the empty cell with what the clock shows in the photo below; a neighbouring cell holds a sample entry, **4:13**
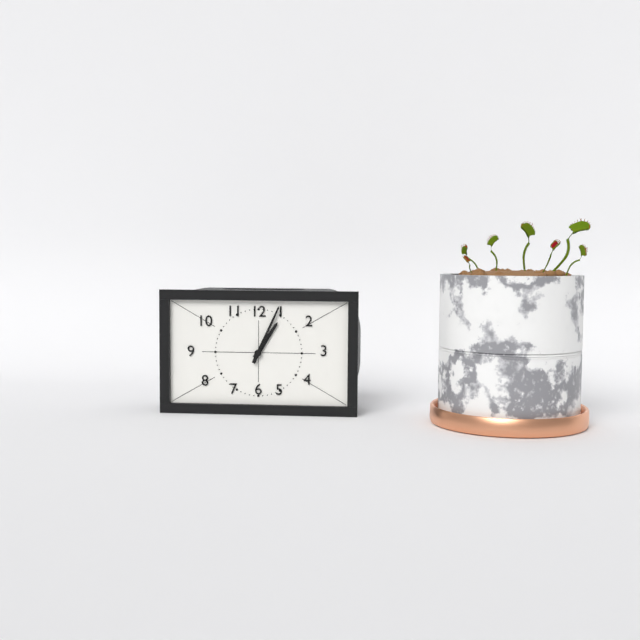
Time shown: **1:04**
